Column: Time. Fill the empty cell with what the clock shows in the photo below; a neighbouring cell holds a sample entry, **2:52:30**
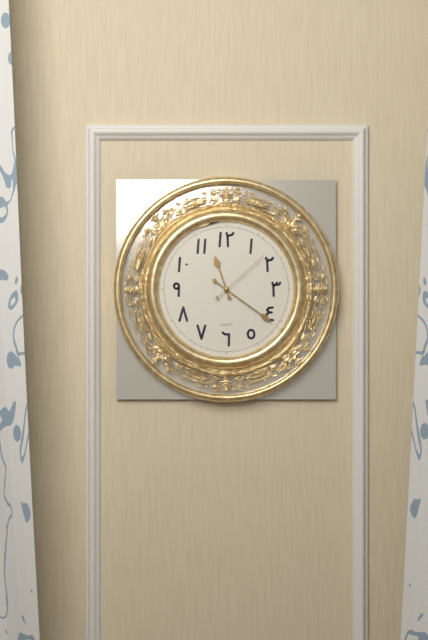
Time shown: **11:21:08**
